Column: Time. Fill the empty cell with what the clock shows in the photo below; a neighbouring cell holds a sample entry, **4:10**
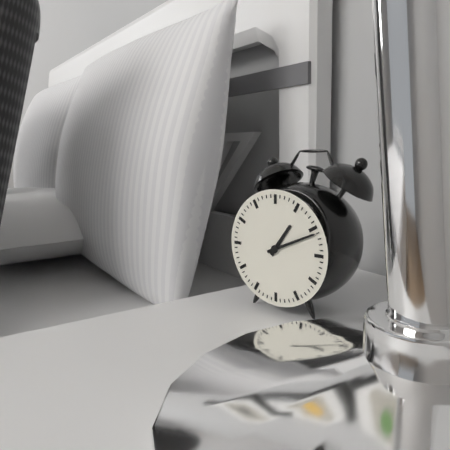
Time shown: **1:11**
